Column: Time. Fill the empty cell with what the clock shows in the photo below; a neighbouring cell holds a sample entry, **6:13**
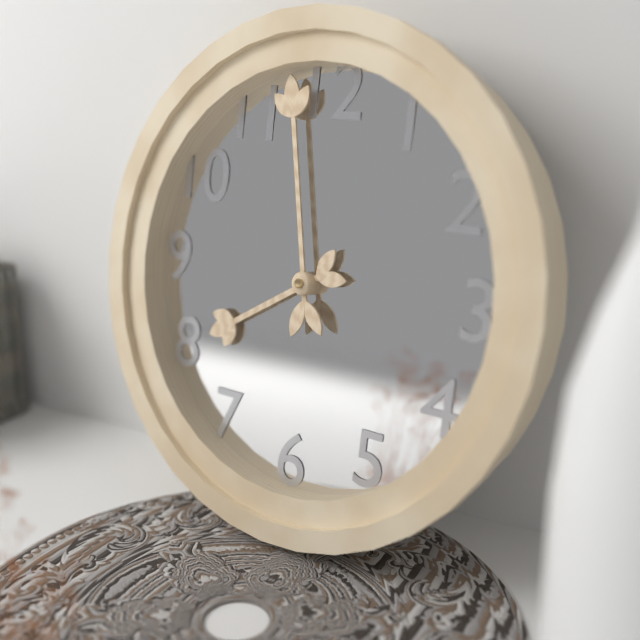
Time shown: **7:58**
